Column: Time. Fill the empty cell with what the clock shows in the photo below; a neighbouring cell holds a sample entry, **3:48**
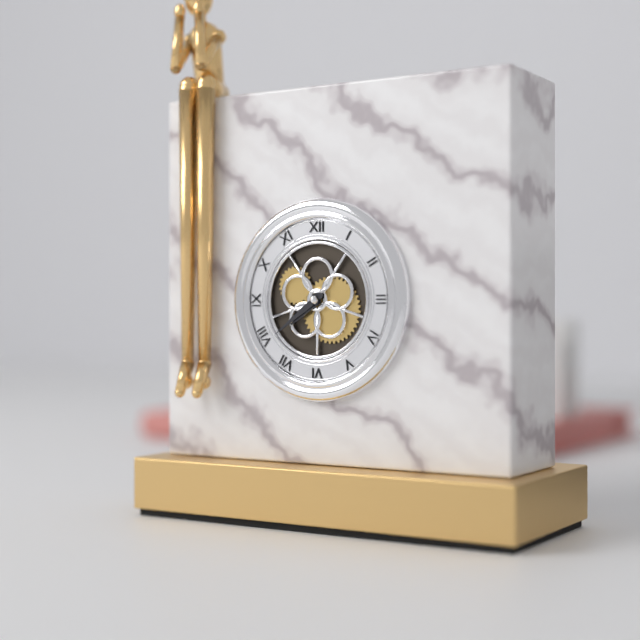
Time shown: **7:39**
